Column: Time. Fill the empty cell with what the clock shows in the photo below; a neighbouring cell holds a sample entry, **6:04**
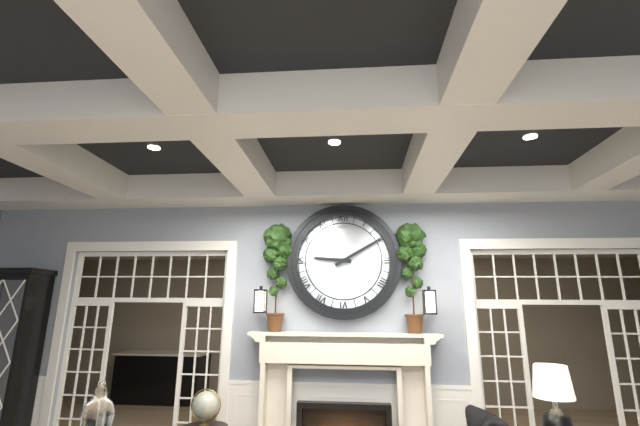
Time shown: **9:10**
